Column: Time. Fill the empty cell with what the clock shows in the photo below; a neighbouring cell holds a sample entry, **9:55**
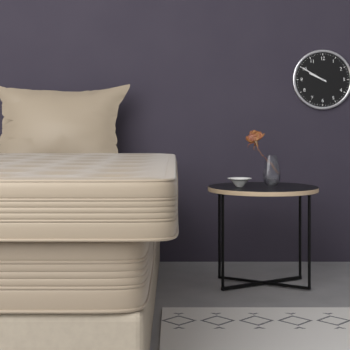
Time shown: **9:50**
